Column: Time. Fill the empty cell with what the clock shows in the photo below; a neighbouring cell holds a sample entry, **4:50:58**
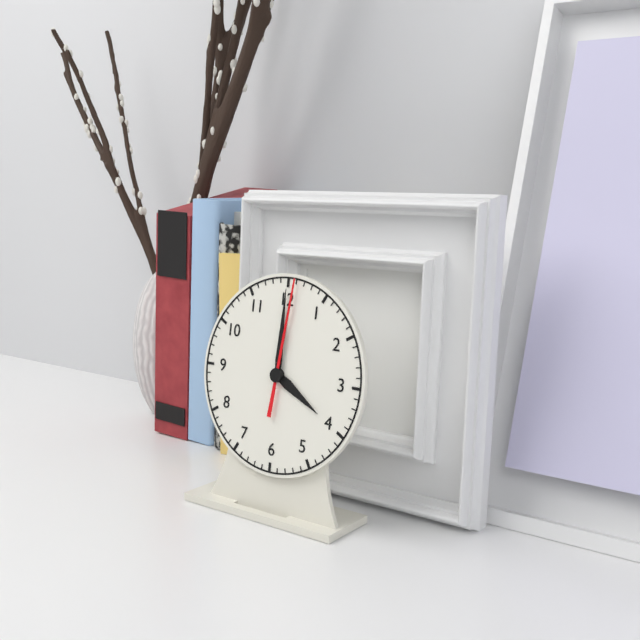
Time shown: **4:00:01**
